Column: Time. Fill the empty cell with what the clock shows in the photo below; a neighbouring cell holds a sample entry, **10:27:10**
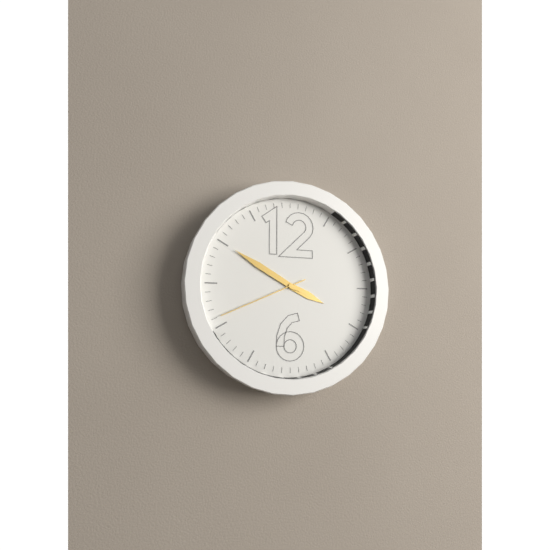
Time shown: **3:50:41**
